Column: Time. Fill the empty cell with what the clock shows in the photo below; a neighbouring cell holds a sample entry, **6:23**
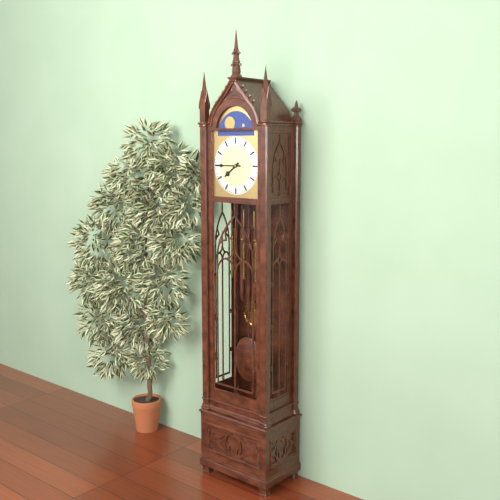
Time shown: **7:45**
